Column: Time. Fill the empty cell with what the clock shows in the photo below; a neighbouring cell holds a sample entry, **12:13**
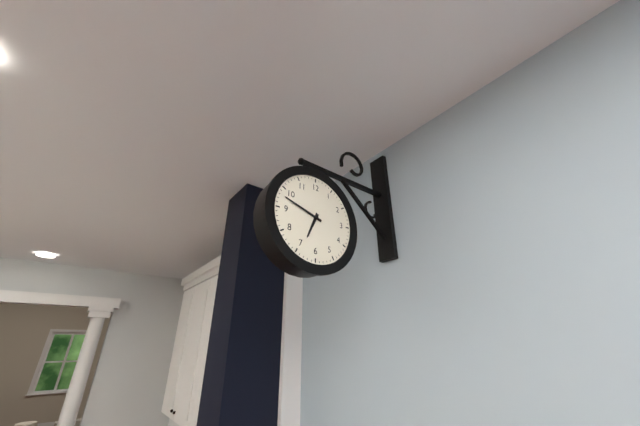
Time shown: **6:48**
